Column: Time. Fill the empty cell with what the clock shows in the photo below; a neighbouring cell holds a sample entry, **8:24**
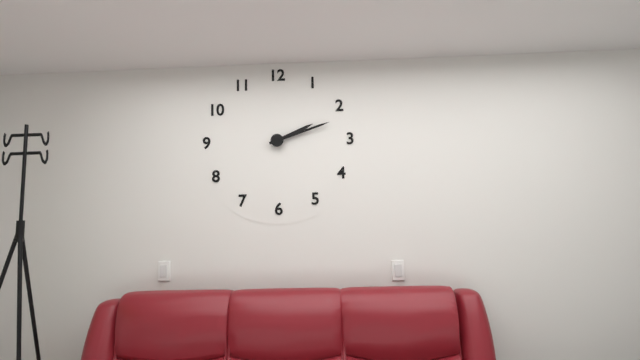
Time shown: **2:12**
